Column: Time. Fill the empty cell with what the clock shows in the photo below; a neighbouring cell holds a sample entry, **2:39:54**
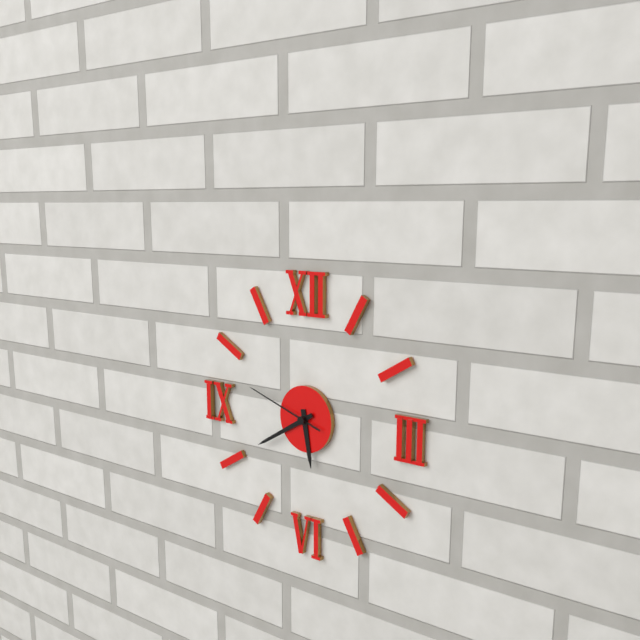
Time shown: **5:40:48**
